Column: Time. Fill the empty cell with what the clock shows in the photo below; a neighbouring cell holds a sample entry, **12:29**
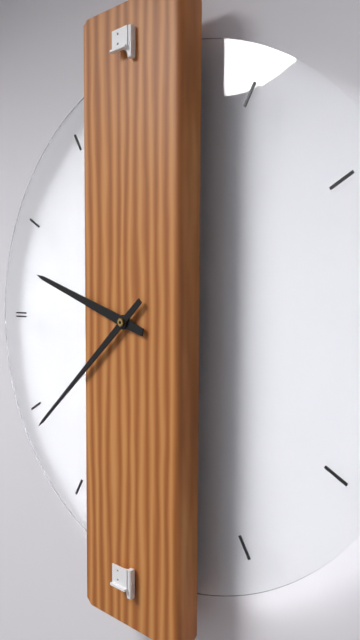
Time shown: **9:38**
